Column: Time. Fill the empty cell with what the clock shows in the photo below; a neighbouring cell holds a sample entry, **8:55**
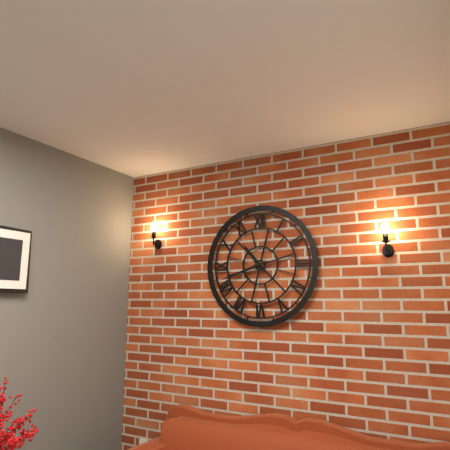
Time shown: **10:42**
